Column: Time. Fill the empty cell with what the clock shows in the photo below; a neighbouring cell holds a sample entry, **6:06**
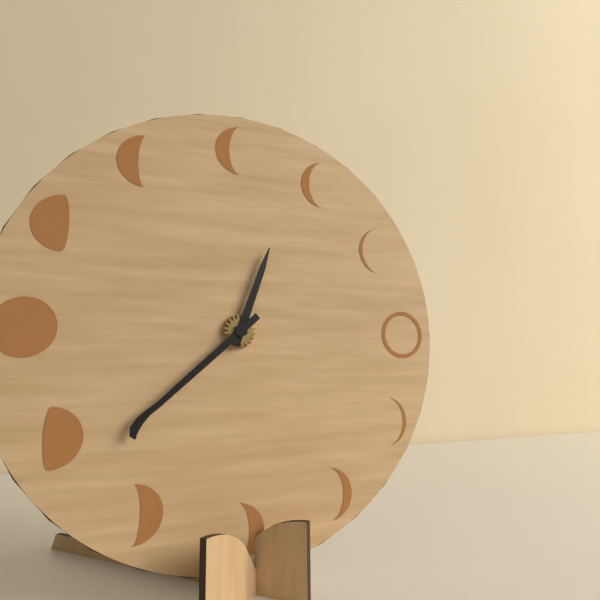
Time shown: **12:38**
